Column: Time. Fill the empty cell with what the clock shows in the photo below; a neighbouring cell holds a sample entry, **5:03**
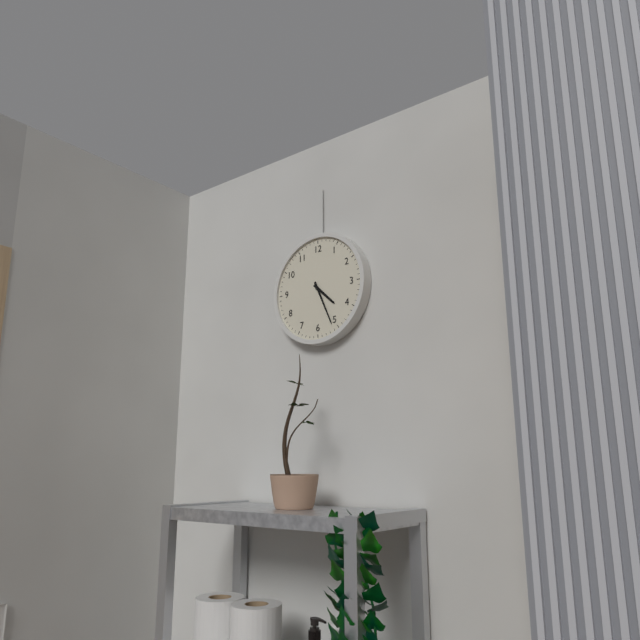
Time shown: **4:26**
